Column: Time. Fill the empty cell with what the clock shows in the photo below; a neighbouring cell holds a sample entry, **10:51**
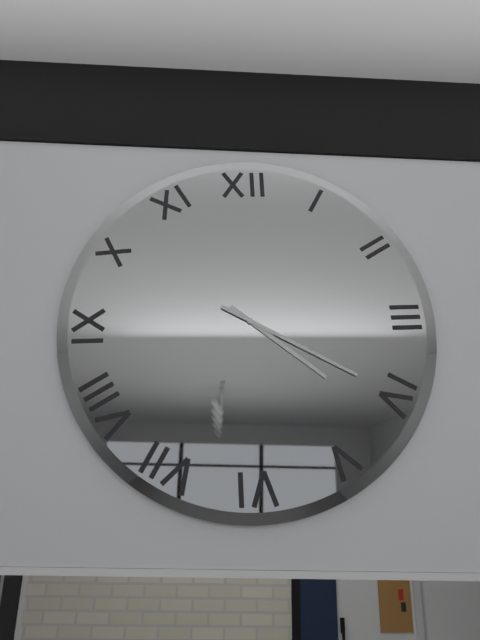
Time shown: **4:20**
